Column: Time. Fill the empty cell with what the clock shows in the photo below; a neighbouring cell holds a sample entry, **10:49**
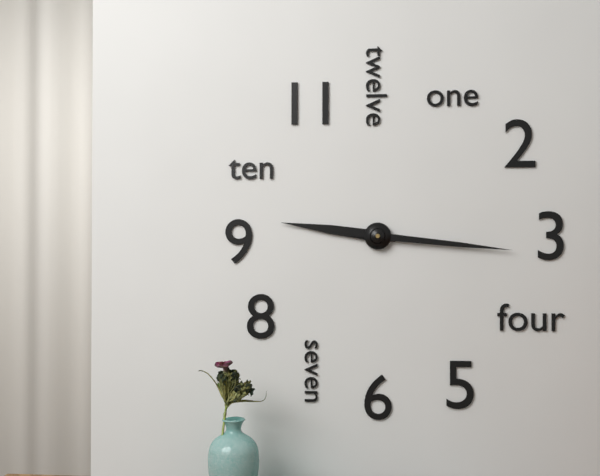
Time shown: **9:16**
